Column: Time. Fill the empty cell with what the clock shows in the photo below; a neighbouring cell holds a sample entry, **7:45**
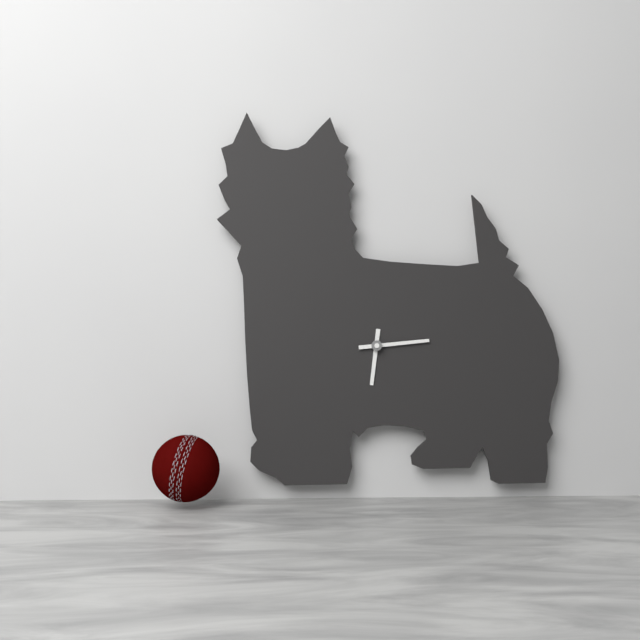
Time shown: **6:14**
